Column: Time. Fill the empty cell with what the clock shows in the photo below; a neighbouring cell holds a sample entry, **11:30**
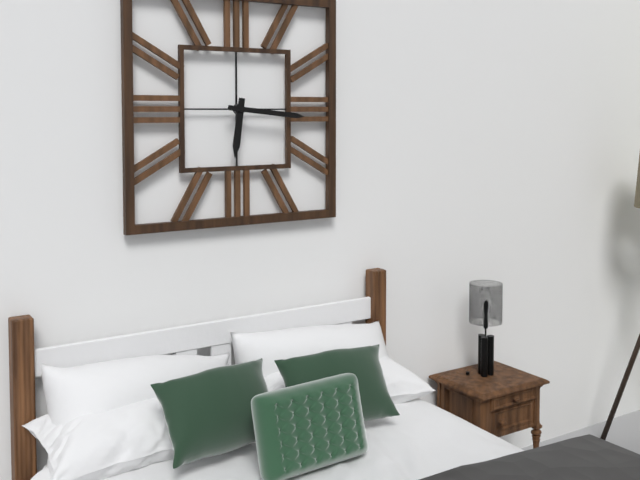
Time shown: **6:16**
